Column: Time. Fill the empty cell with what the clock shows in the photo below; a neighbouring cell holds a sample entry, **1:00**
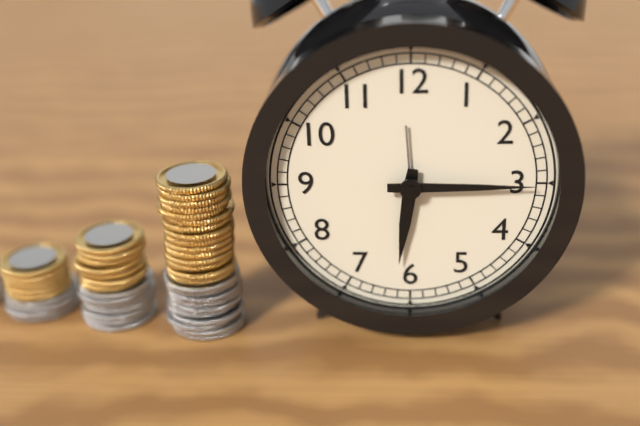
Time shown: **6:15**
